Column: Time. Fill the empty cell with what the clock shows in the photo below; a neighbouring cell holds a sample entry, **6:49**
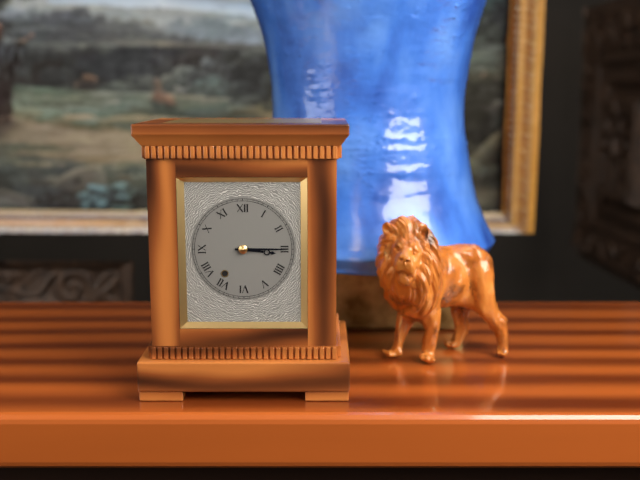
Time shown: **3:15**
